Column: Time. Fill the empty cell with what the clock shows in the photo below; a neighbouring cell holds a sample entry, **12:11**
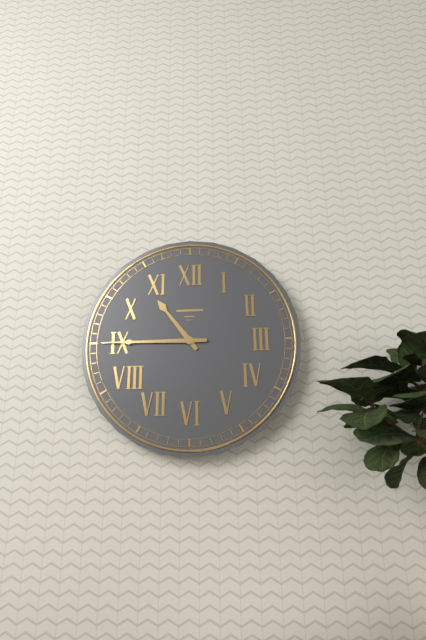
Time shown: **10:45**
